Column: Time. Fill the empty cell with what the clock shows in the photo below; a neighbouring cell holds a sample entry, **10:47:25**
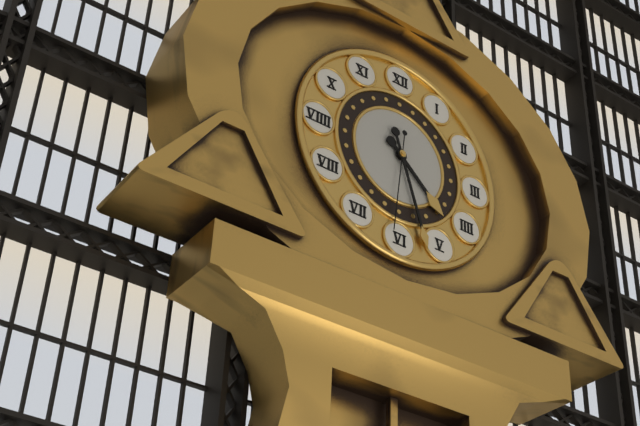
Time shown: **4:27:31**
